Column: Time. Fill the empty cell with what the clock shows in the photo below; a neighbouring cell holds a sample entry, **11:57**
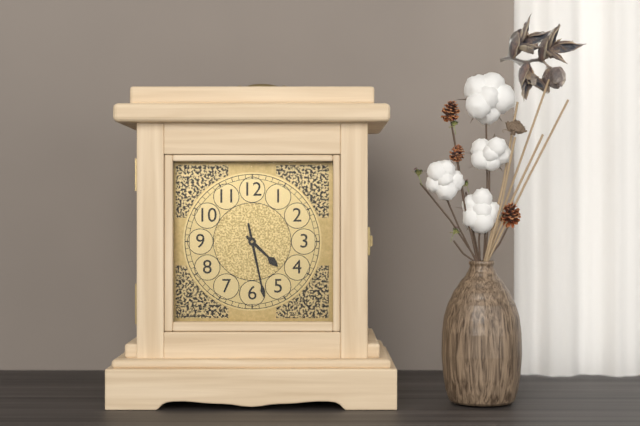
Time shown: **4:28**
